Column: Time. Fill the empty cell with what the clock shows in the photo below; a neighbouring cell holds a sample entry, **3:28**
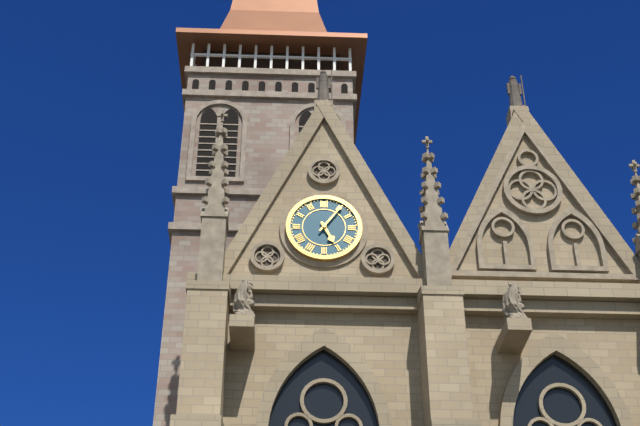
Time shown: **5:06**
